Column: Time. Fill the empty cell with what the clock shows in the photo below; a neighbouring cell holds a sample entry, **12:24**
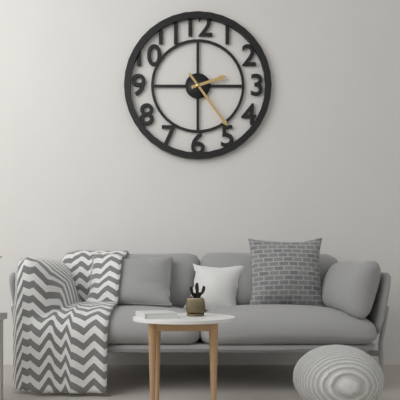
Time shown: **2:24**
